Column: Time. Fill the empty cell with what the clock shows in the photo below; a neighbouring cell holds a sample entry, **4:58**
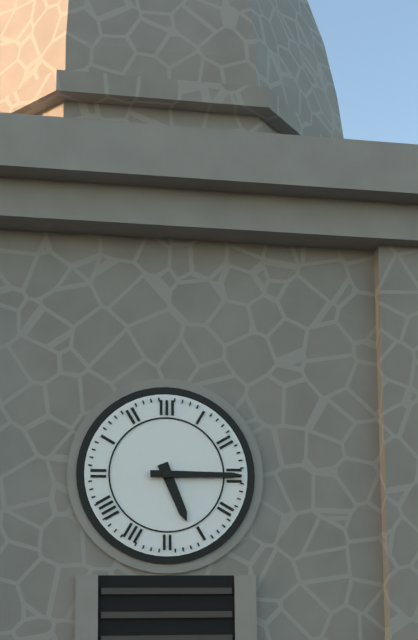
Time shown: **5:15**
